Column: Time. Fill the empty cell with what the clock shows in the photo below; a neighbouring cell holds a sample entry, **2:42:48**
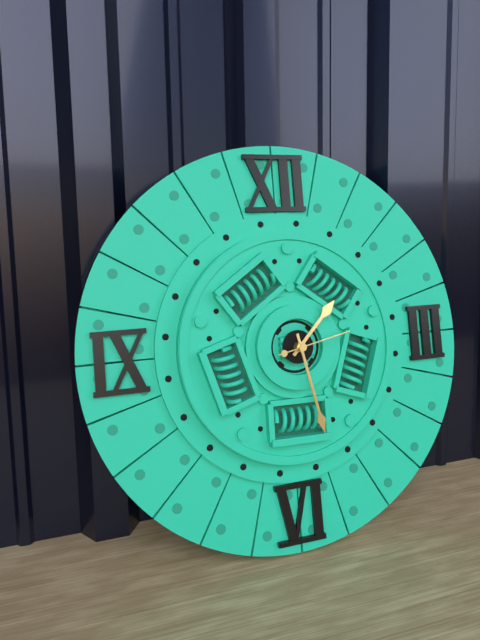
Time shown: **1:28:13**
